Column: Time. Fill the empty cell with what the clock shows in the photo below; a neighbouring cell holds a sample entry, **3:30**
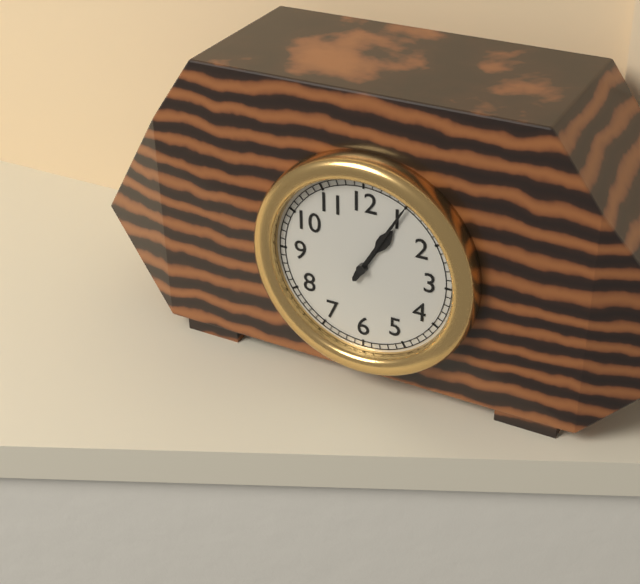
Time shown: **1:05**
